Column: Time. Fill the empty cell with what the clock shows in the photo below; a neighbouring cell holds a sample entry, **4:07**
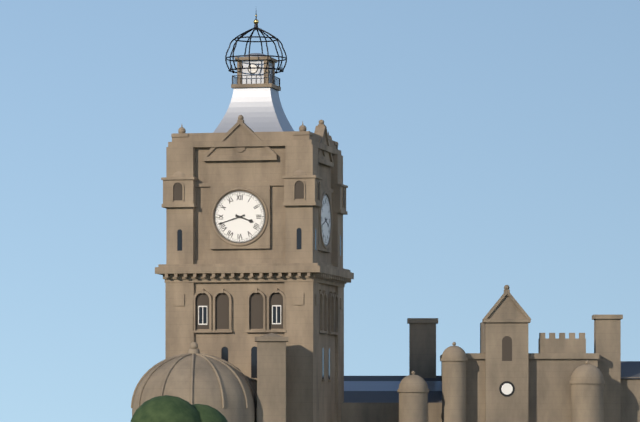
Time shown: **3:42**
